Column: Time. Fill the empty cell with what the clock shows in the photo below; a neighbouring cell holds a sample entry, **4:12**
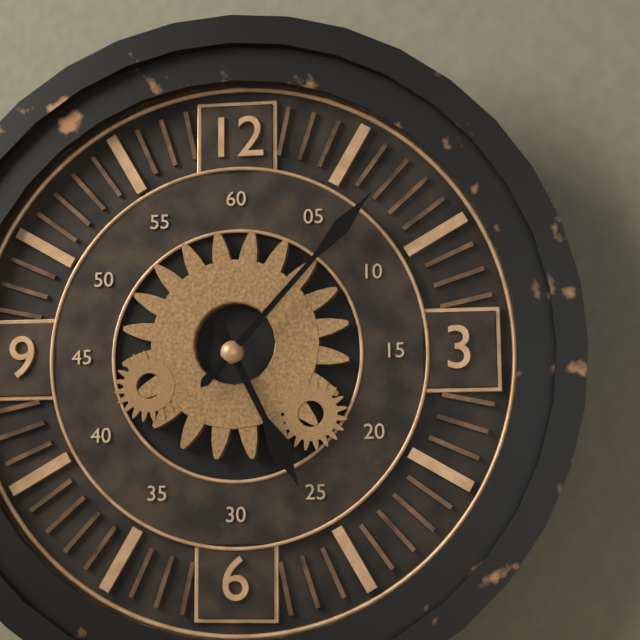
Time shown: **5:07**
